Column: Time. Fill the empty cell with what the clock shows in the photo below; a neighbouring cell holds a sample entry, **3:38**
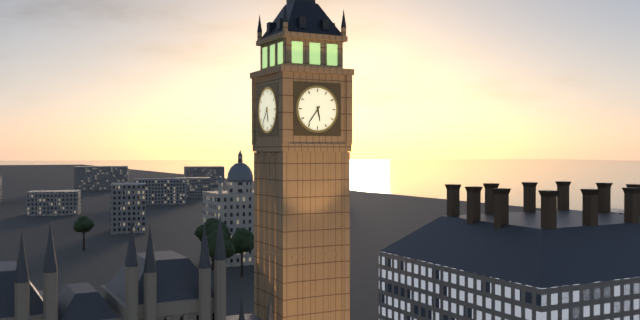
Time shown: **5:36**
